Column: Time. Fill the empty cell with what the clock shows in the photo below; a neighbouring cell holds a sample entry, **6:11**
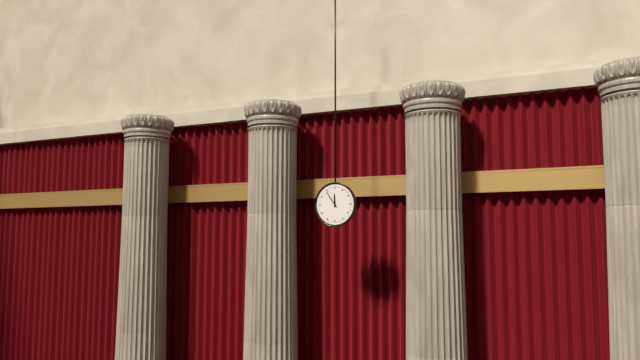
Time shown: **11:54**
